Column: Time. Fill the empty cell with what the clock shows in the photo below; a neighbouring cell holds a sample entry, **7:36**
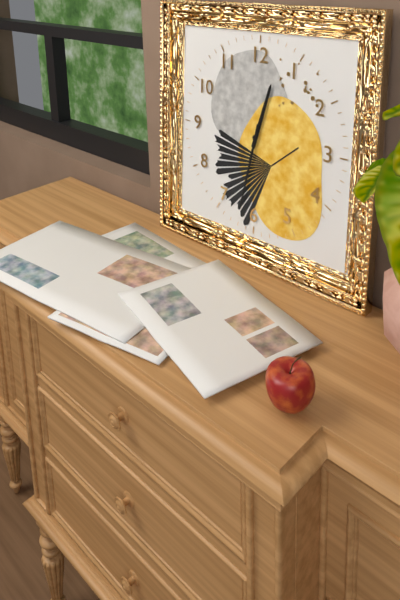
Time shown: **12:32**
